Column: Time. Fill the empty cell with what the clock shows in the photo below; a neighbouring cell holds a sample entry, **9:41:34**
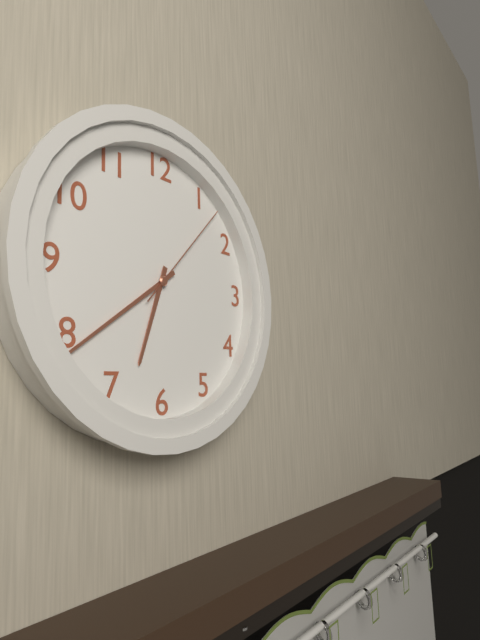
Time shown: **6:39:07**
